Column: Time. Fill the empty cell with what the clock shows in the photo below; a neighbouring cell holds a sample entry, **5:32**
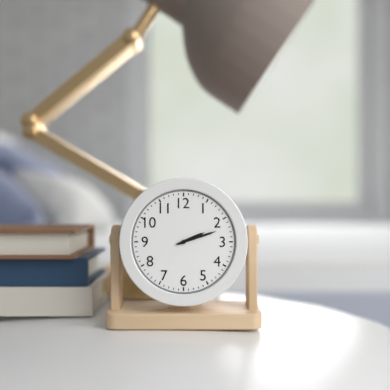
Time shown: **2:12**
